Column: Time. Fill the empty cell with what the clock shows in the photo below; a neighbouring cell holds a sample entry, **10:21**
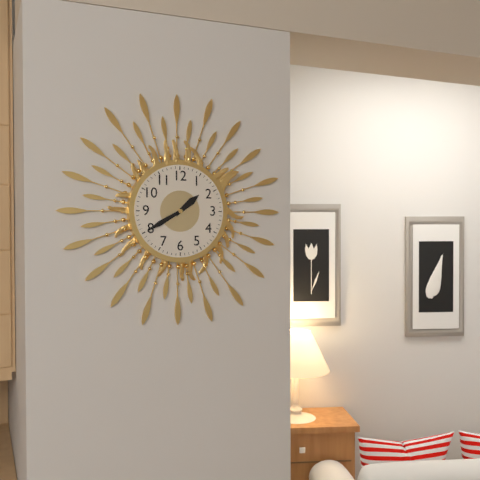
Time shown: **1:40**
